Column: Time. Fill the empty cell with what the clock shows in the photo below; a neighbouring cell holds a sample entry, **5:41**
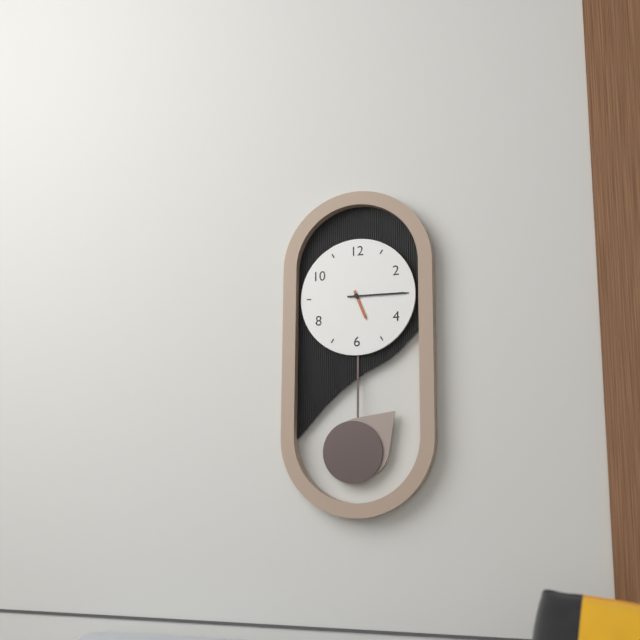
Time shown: **5:15**
